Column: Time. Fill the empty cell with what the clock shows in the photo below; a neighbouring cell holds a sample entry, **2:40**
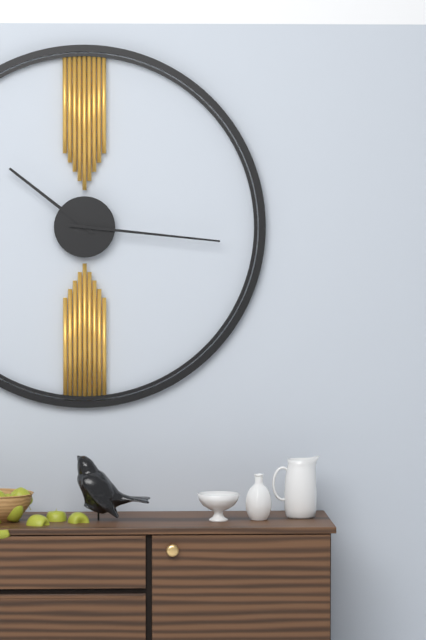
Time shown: **10:16**
